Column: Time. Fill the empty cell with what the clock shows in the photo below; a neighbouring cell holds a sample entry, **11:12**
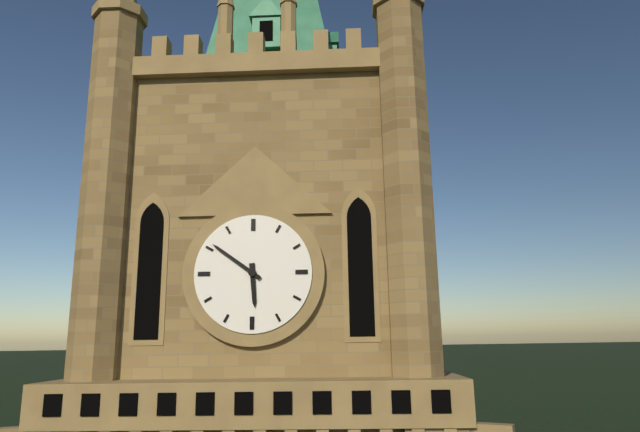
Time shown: **5:51**
